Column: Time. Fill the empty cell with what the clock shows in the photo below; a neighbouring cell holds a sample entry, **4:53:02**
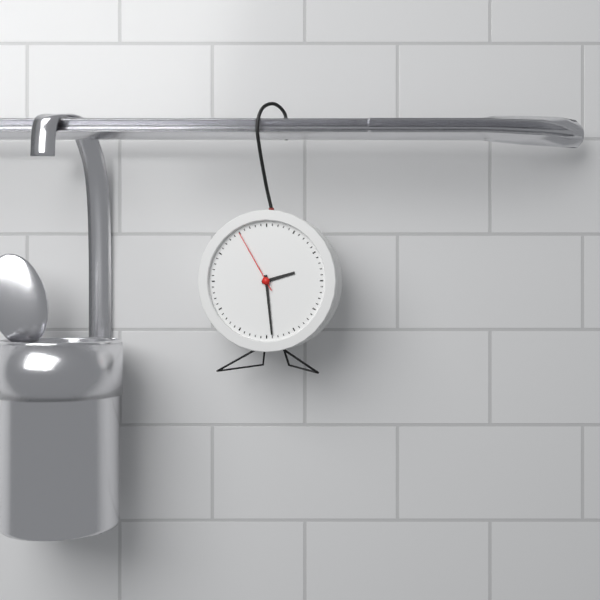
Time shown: **2:29:55**
